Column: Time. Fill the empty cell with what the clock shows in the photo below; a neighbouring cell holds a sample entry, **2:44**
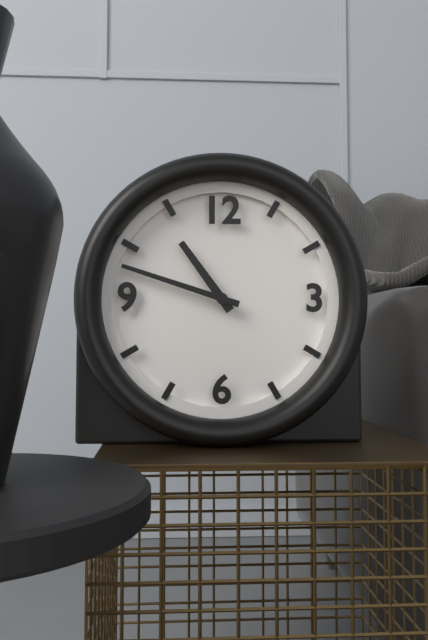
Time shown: **10:48**
